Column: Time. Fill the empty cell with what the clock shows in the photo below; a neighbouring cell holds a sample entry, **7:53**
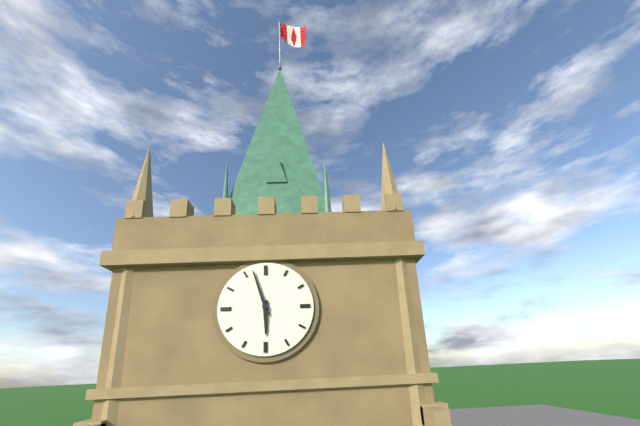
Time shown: **5:57**
